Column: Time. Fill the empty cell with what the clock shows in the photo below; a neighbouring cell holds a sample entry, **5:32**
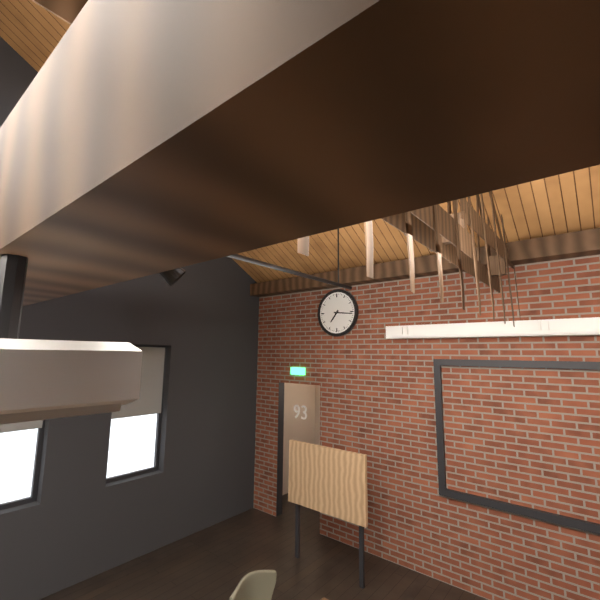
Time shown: **7:16**
